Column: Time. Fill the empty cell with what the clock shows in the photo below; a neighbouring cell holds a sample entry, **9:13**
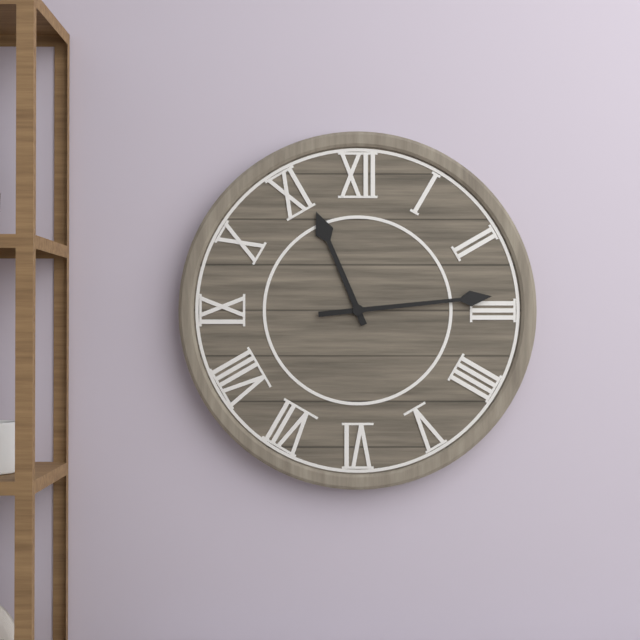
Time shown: **11:14**
